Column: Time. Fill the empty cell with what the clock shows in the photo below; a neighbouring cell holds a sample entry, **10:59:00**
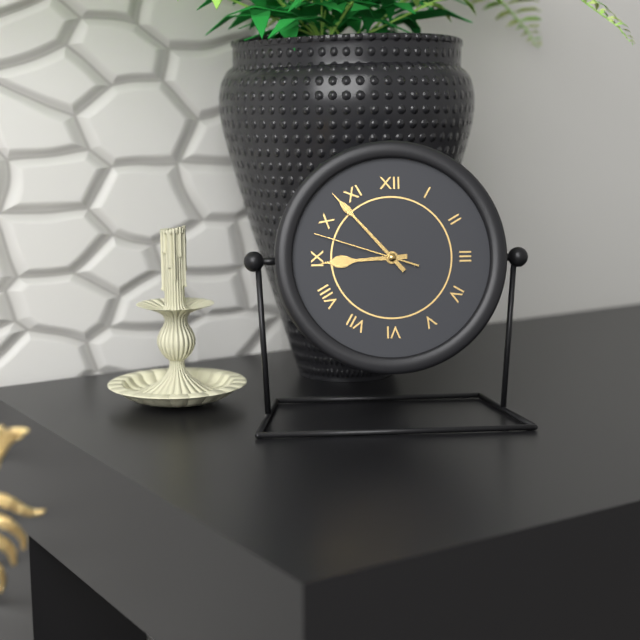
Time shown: **8:53:48**
